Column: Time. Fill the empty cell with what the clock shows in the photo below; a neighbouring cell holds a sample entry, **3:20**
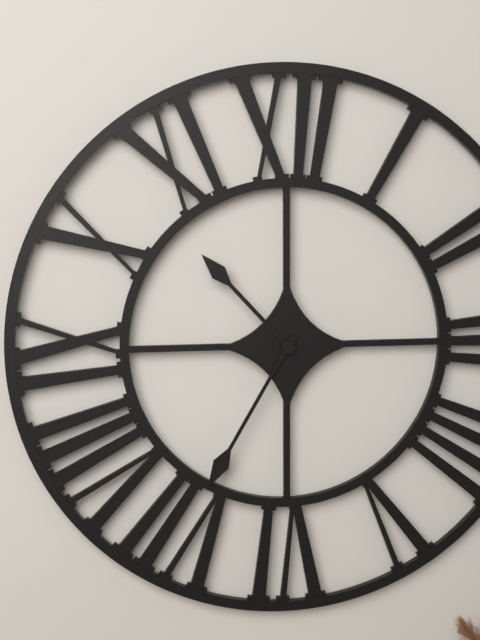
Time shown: **10:35**
